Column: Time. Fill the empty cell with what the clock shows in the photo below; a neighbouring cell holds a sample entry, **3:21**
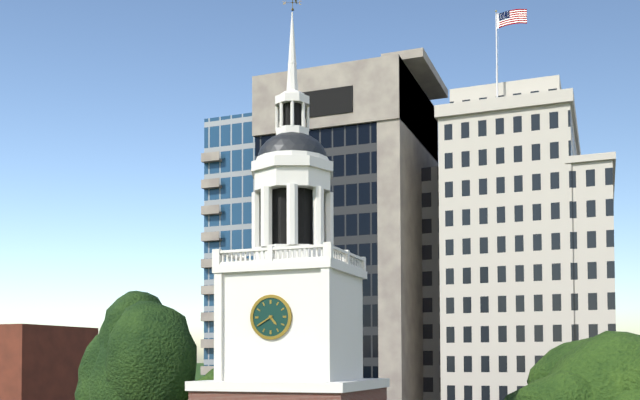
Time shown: **4:40**
